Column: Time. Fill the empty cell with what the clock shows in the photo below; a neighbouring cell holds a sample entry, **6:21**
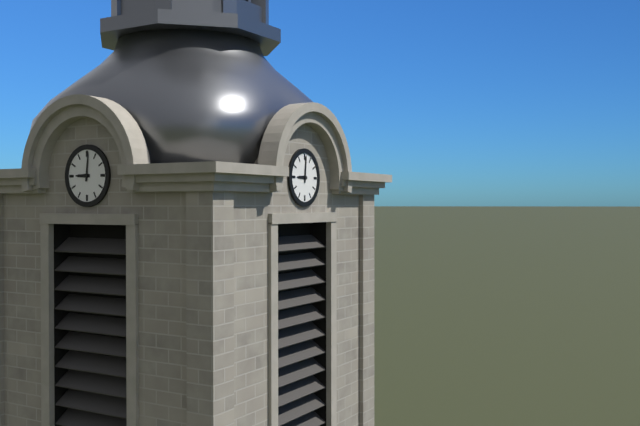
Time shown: **9:01**
